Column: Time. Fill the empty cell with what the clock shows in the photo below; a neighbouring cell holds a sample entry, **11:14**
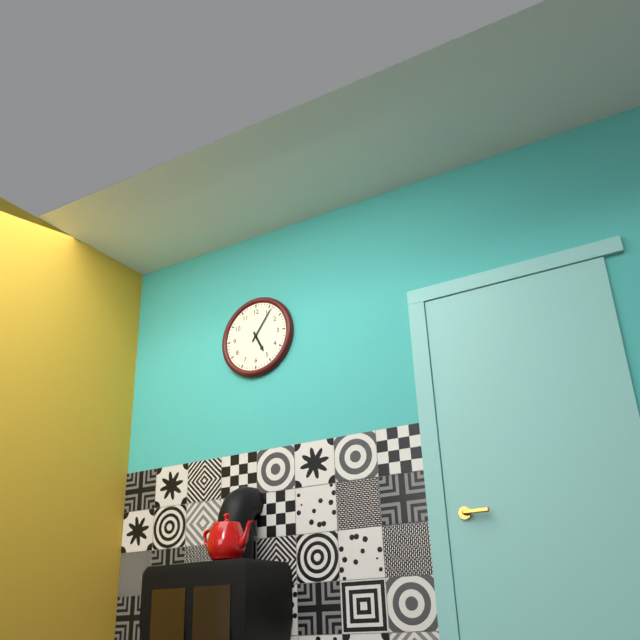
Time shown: **5:06**
